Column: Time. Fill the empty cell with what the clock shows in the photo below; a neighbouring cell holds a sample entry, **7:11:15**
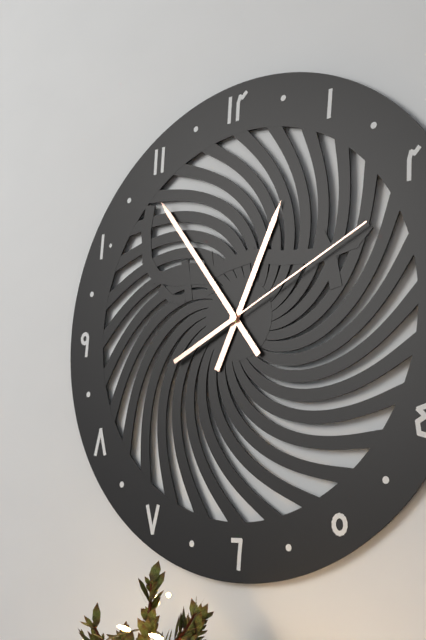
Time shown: **12:54:11**
